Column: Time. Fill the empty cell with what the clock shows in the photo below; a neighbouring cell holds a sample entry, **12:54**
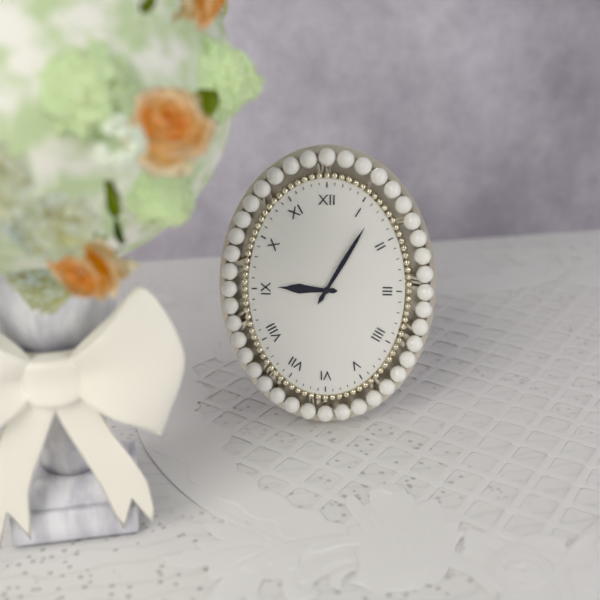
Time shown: **9:05**
